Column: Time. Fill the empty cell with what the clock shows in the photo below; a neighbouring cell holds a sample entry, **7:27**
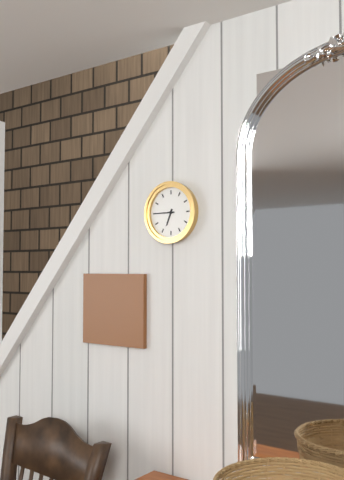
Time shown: **6:45**
